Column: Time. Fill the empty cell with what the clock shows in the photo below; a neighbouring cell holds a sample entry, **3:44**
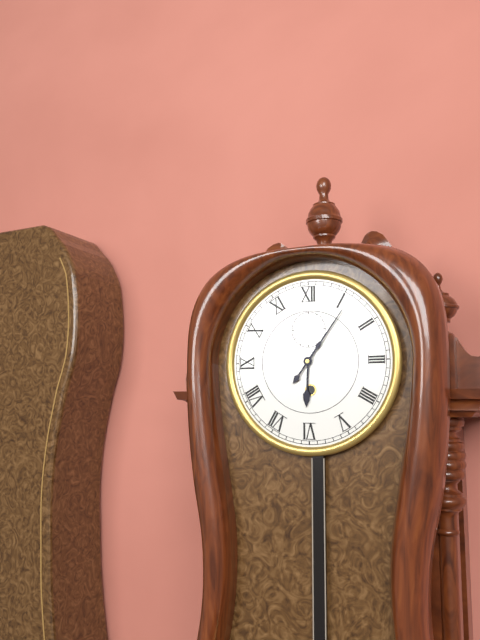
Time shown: **6:06**
